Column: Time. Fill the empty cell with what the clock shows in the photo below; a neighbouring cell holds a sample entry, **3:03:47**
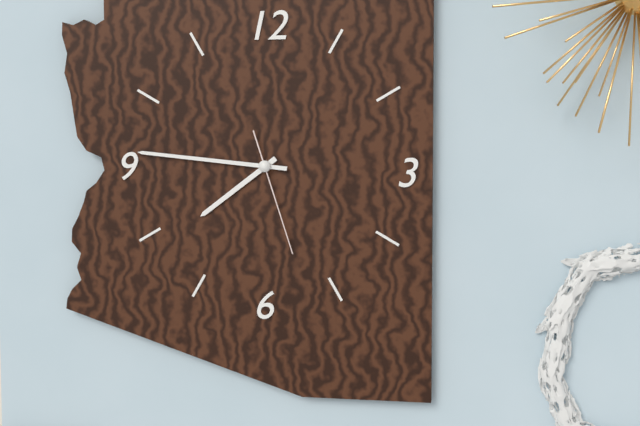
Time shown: **7:46:27**
